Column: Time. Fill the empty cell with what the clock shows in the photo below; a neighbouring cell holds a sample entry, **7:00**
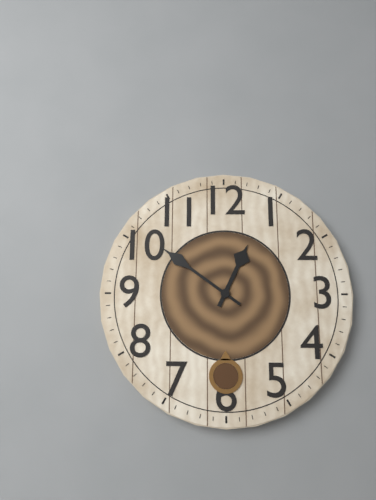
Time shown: **12:51**
